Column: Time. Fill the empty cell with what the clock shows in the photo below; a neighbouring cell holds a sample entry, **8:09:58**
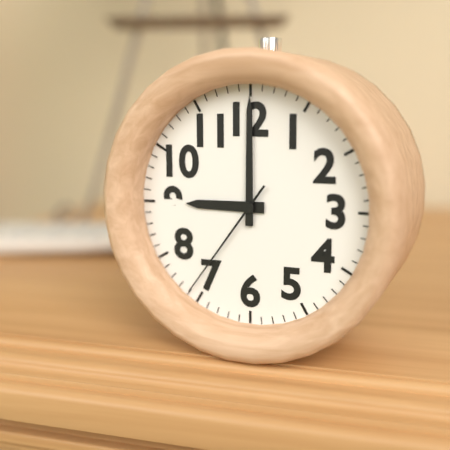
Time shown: **9:00:36**
